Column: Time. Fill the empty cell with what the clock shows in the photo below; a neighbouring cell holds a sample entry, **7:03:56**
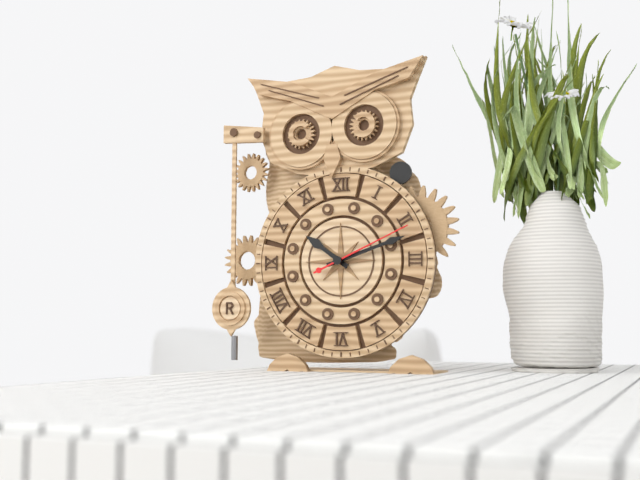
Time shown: **10:12:11**
